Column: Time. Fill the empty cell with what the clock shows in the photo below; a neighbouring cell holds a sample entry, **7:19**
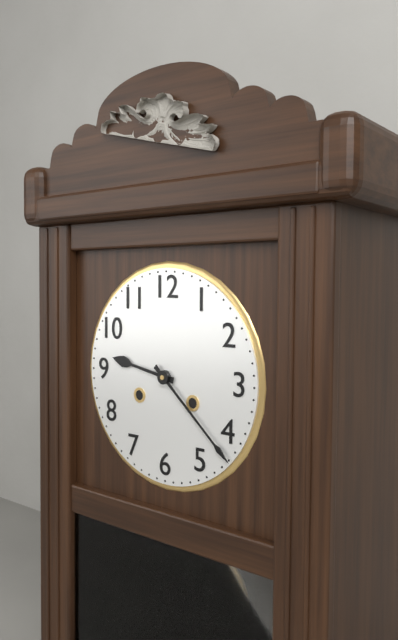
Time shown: **9:22**
